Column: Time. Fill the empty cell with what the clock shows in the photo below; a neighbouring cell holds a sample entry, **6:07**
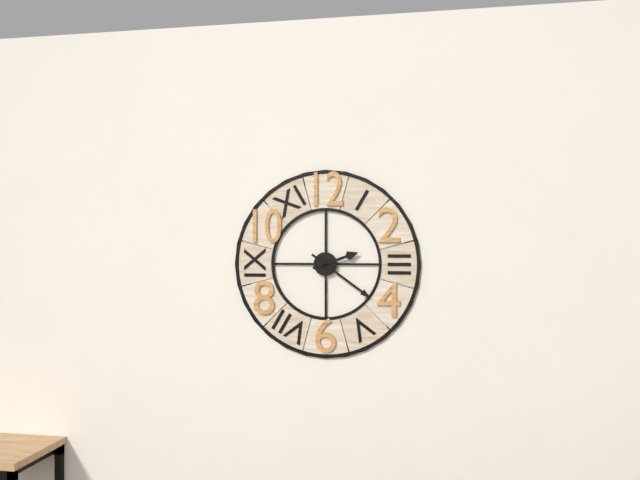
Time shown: **2:21**
